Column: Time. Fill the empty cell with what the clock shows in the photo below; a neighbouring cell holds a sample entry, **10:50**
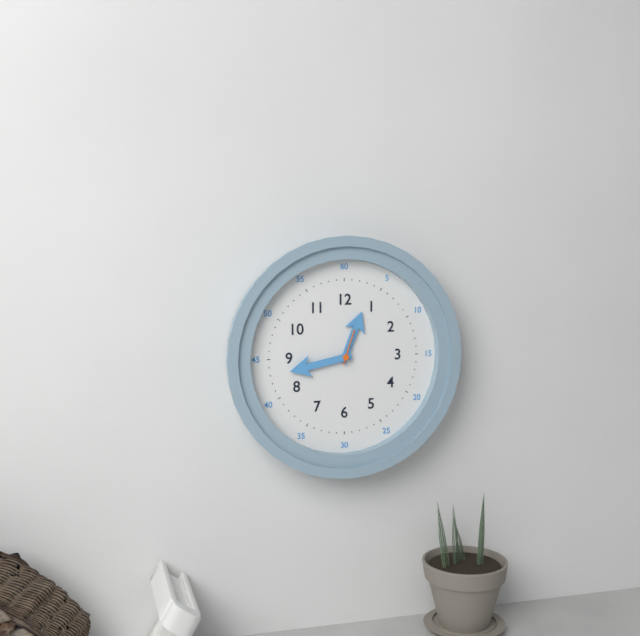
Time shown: **12:43**
